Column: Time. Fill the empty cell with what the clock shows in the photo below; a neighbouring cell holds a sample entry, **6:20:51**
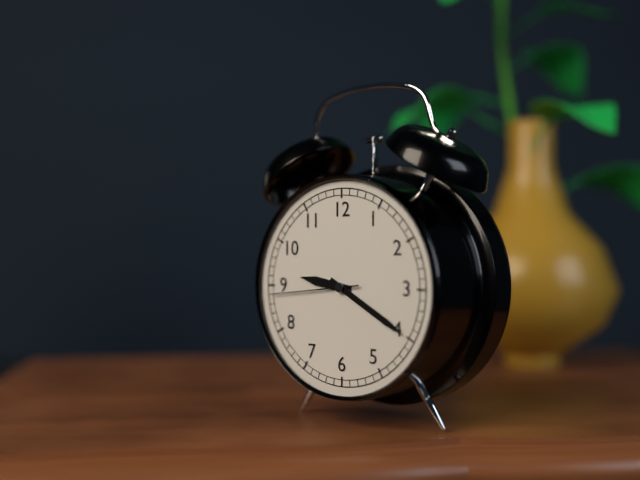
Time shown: **9:20:44**
